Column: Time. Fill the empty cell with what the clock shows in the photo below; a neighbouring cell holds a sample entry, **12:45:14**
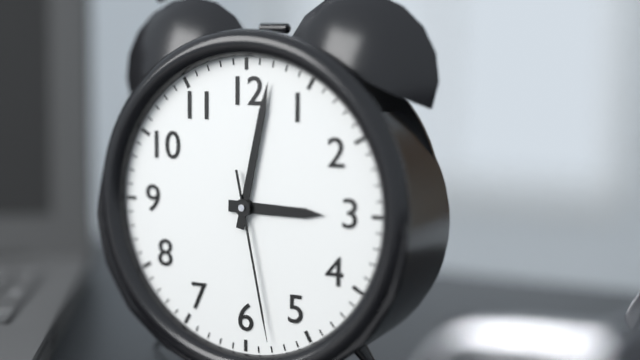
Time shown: **3:02:28**
